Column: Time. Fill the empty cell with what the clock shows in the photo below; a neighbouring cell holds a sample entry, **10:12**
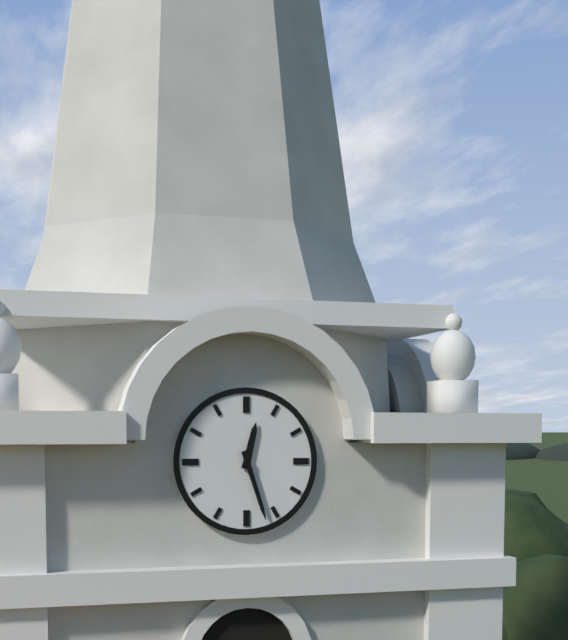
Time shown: **12:27**
